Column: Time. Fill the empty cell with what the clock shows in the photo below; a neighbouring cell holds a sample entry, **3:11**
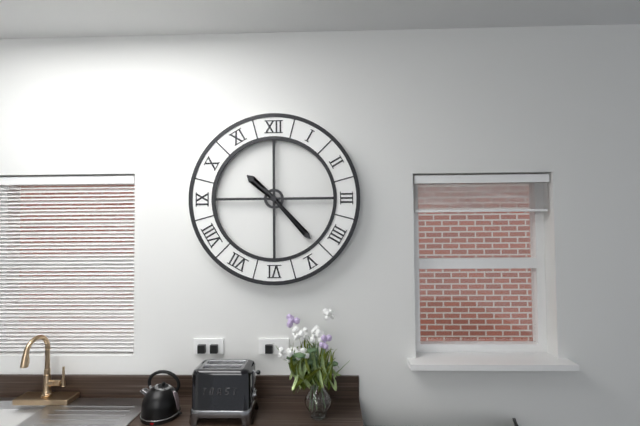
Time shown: **10:23**
